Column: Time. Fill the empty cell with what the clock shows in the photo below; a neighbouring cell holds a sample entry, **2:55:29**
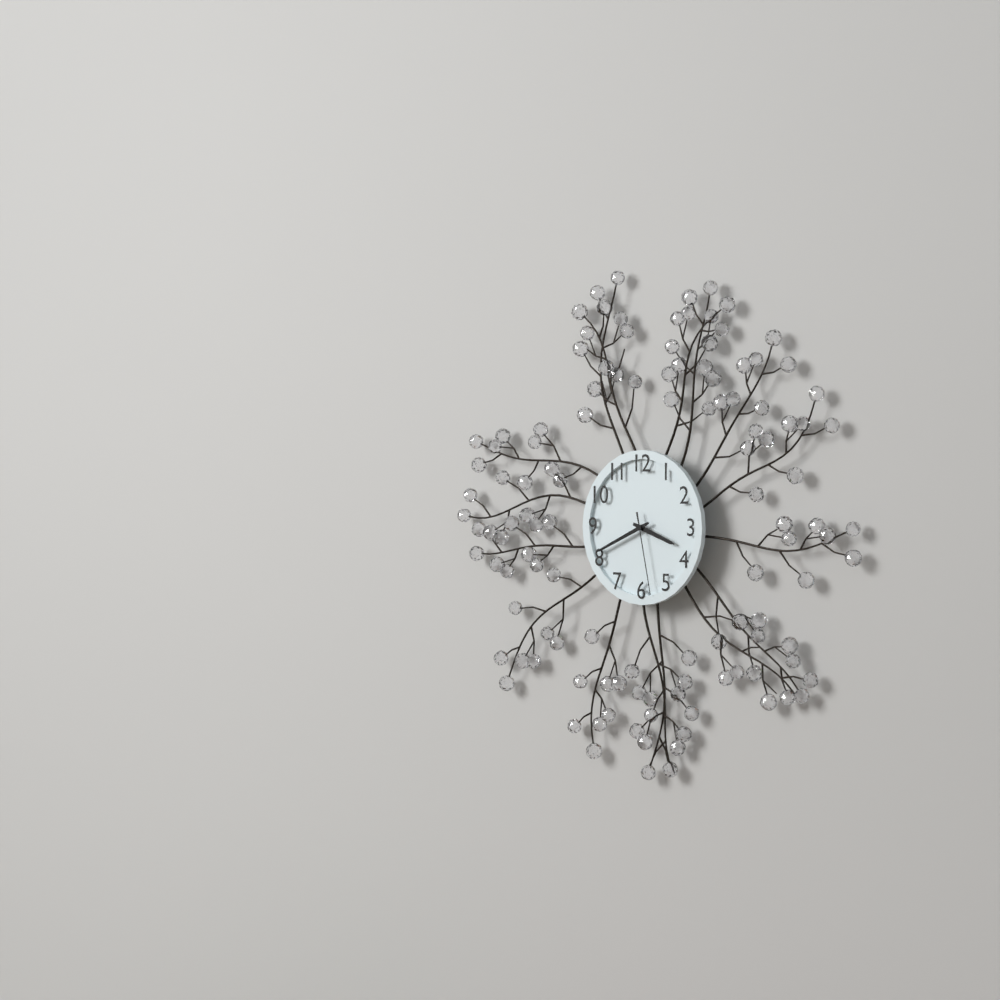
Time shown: **3:41:28**
